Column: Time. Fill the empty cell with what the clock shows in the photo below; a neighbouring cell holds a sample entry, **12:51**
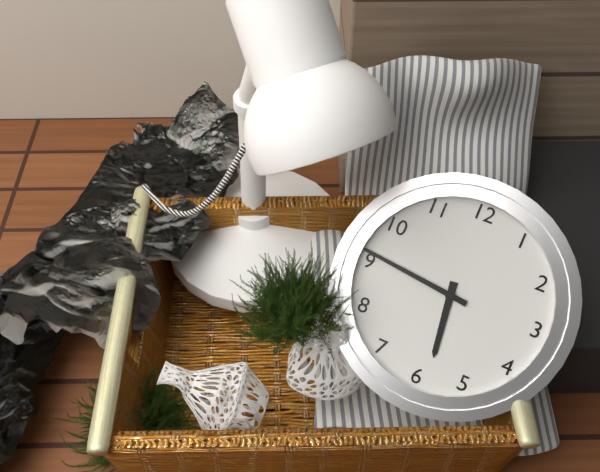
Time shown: **5:46**
